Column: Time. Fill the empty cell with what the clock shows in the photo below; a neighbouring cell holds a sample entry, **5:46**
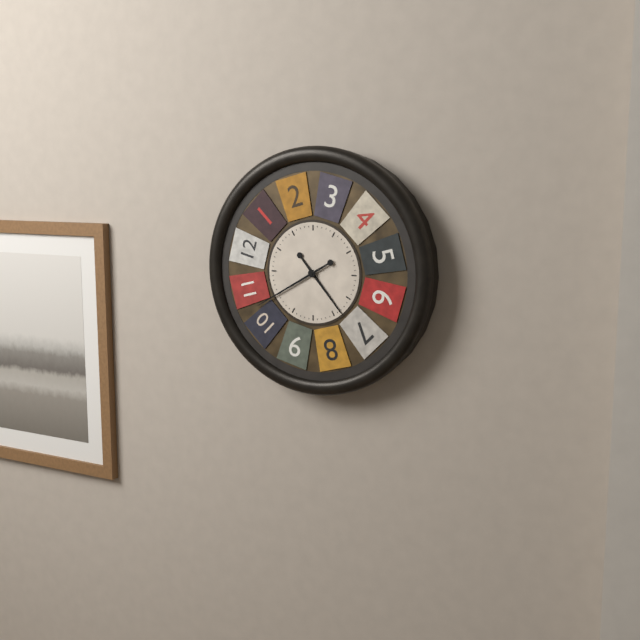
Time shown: **4:40**
